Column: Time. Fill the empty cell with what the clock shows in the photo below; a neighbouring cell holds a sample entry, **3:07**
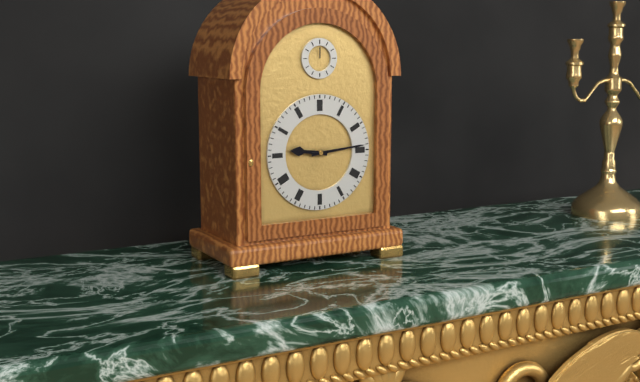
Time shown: **9:14**
